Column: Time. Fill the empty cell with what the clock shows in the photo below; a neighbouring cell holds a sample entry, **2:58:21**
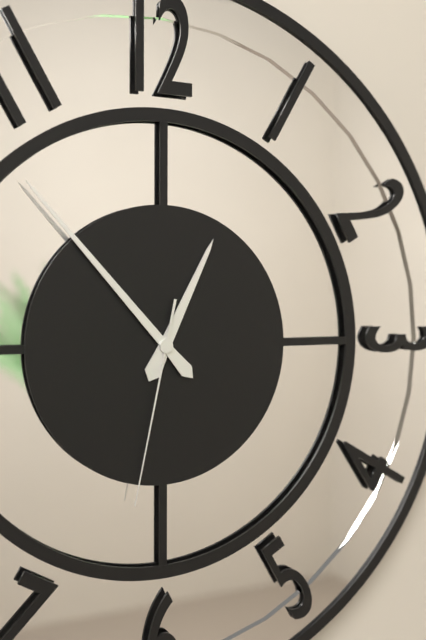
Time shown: **12:53:32**
